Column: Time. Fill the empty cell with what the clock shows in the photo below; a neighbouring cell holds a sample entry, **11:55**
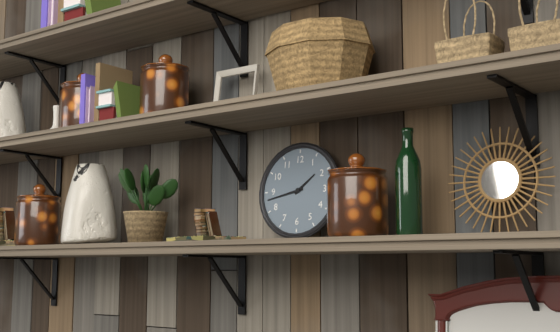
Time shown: **1:43**
